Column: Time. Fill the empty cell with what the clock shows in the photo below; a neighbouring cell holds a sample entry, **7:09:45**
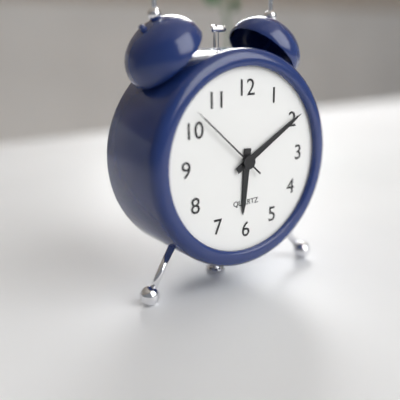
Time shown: **6:10:52**
